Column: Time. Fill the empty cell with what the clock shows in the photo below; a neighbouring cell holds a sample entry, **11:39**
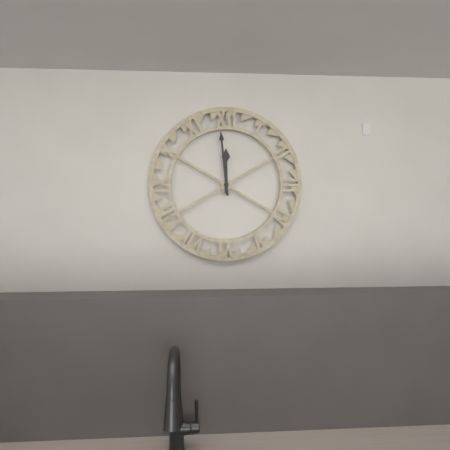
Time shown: **11:59**
